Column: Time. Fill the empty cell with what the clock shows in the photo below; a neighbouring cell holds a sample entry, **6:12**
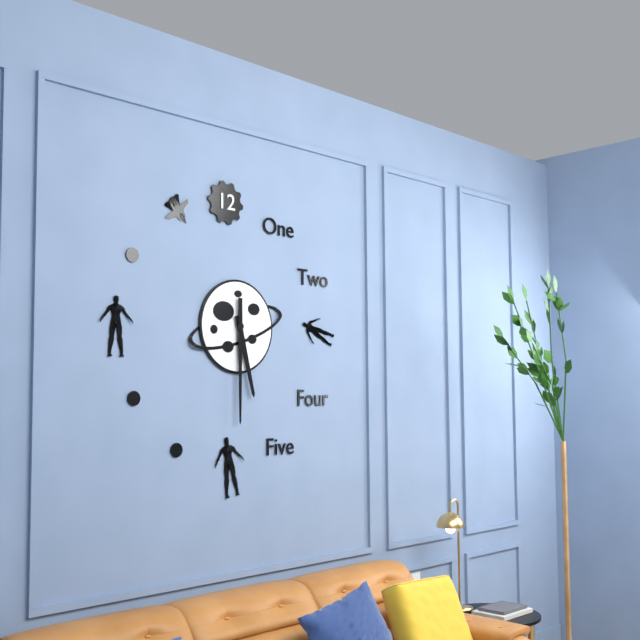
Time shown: **5:30**
